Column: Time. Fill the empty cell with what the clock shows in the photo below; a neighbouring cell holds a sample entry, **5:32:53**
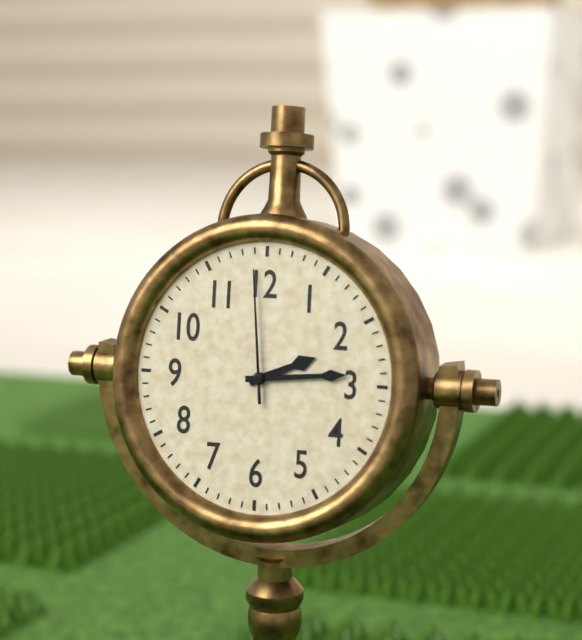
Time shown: **2:14:59**
